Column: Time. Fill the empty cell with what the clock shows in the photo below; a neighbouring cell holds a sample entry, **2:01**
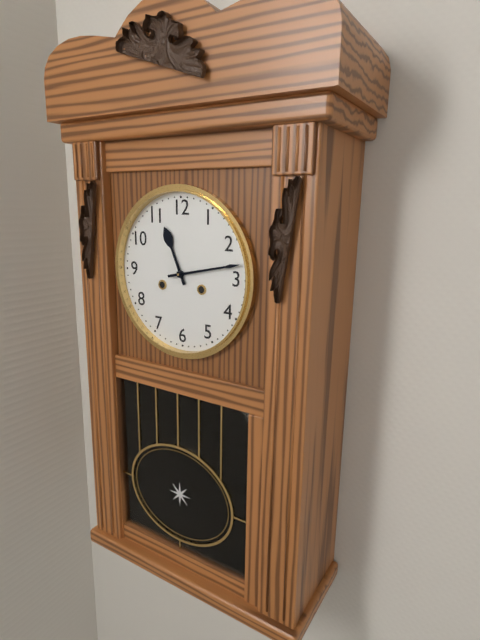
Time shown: **11:13**
